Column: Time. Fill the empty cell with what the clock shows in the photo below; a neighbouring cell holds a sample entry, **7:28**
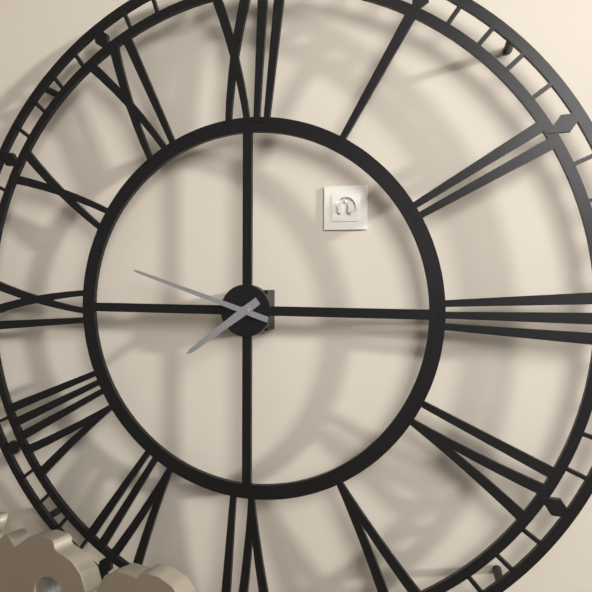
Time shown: **7:48**
